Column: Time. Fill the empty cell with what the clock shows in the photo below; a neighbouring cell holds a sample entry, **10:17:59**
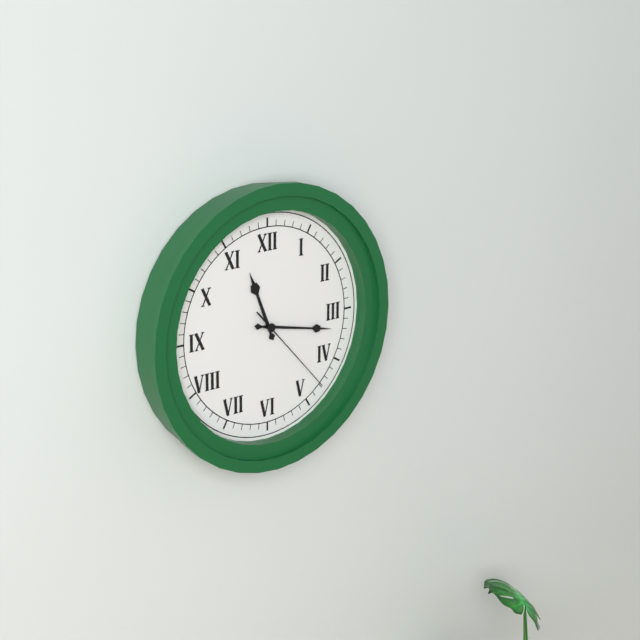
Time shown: **11:17:23**
